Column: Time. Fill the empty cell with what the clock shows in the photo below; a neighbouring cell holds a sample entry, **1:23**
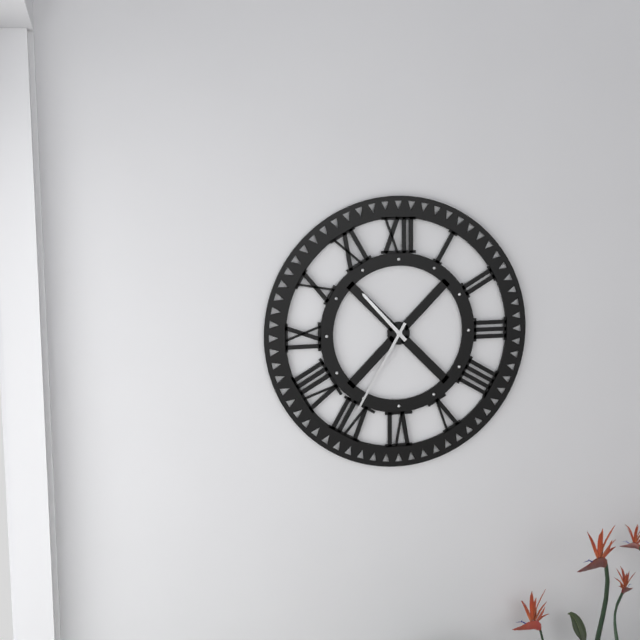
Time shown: **10:35**
